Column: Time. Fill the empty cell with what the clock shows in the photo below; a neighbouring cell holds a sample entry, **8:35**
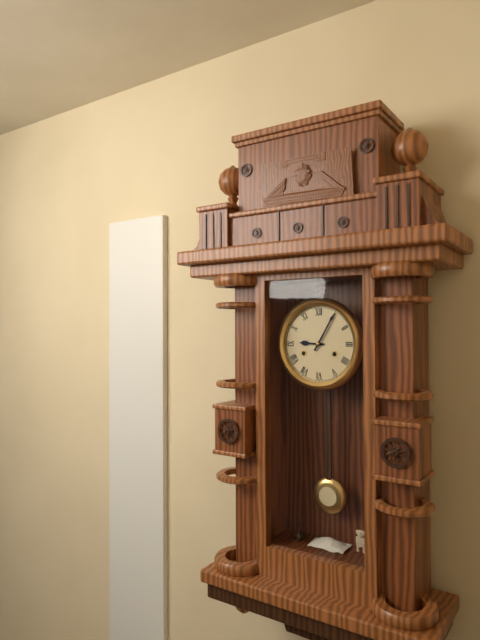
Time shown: **9:05**
